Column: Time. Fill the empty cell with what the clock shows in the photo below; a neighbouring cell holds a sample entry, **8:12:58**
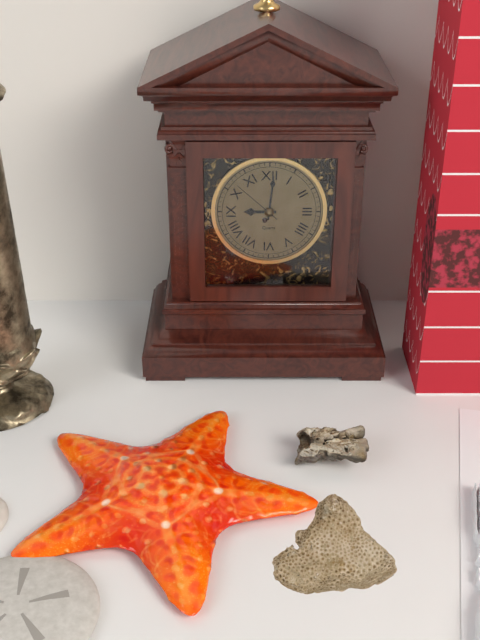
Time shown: **9:01:52**
